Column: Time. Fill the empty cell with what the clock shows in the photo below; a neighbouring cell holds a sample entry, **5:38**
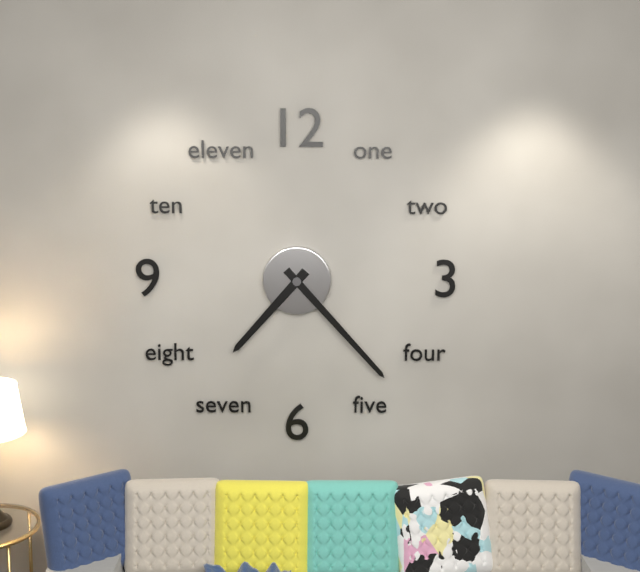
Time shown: **7:23**
